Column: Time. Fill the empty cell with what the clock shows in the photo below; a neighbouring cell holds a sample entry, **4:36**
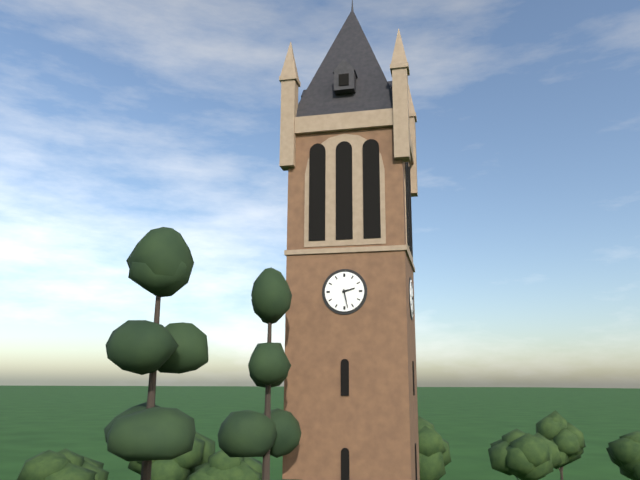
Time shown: **2:28**
